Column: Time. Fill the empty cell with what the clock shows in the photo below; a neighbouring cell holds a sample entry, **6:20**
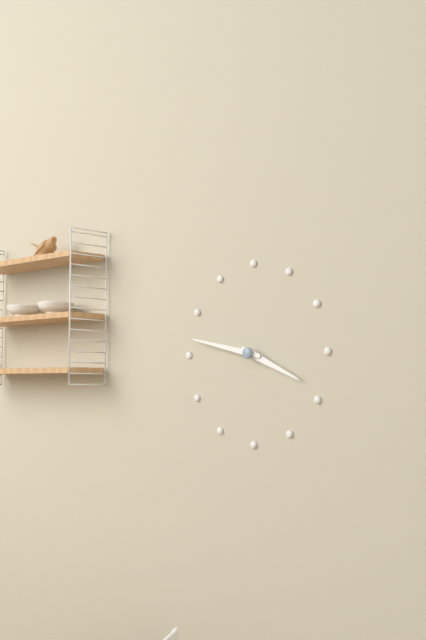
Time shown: **3:47**
